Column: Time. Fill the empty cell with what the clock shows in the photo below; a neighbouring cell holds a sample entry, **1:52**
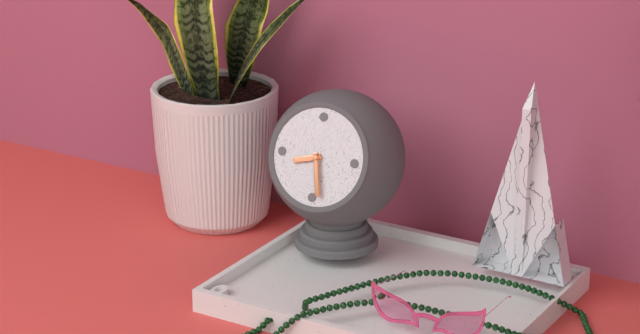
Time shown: **8:28**
